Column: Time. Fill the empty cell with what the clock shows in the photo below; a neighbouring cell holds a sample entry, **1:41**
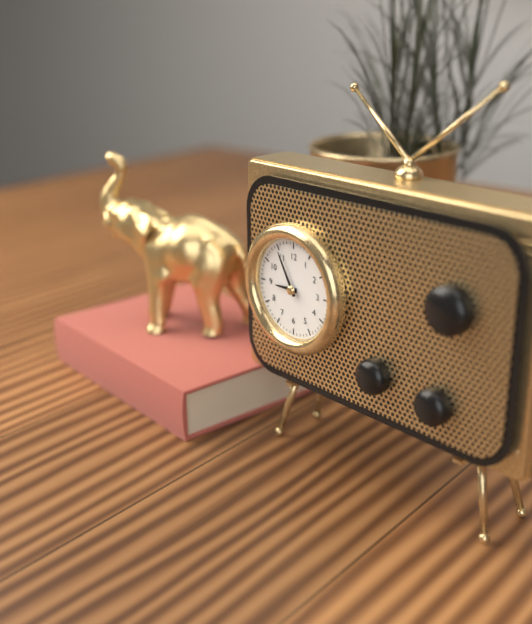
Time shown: **8:55**
